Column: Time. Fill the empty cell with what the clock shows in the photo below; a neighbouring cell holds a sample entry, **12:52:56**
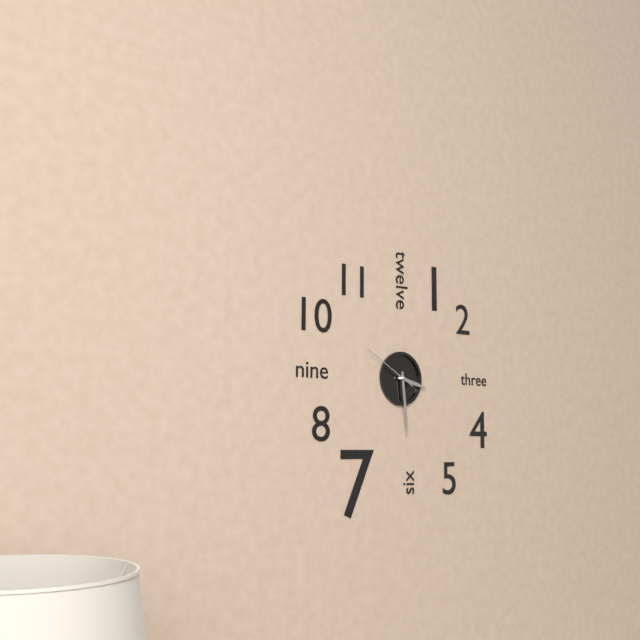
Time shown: **3:29:50**
